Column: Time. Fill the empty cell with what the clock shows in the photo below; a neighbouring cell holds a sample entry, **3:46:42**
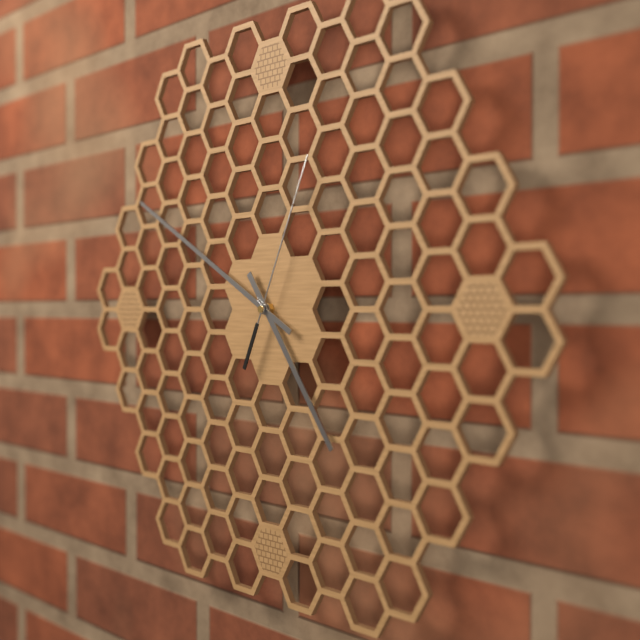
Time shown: **4:50:04**
